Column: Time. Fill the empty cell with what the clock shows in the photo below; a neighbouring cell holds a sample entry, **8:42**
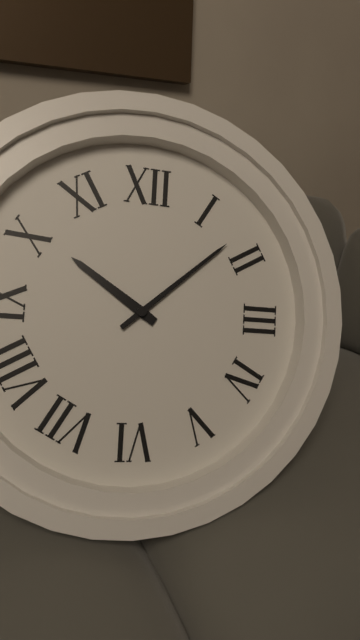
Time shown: **10:08**
